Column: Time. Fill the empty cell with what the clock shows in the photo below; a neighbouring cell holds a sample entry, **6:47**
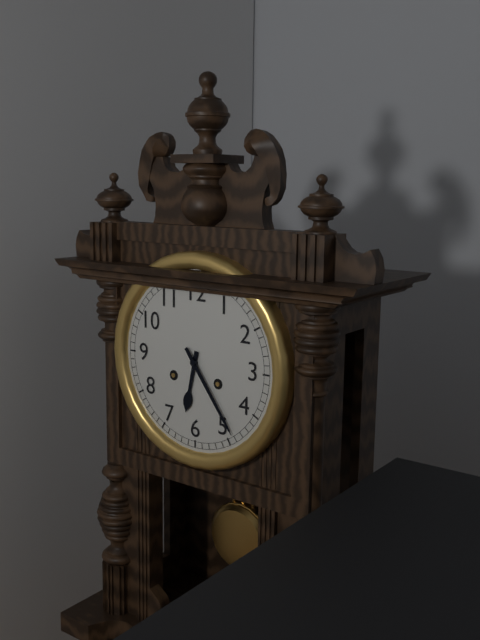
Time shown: **6:24**
